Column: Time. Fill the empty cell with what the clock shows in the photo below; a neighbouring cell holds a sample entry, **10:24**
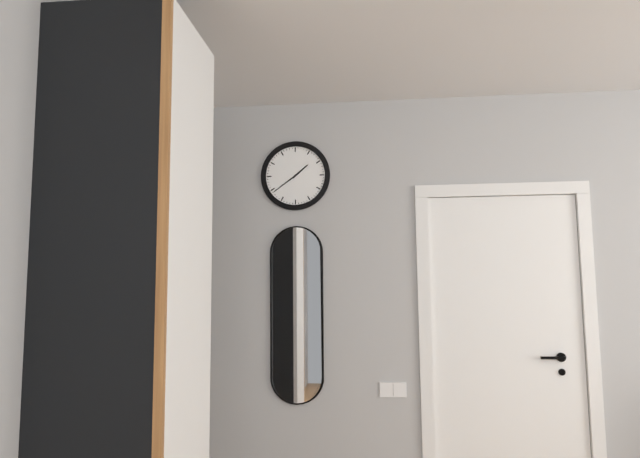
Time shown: **1:39**
